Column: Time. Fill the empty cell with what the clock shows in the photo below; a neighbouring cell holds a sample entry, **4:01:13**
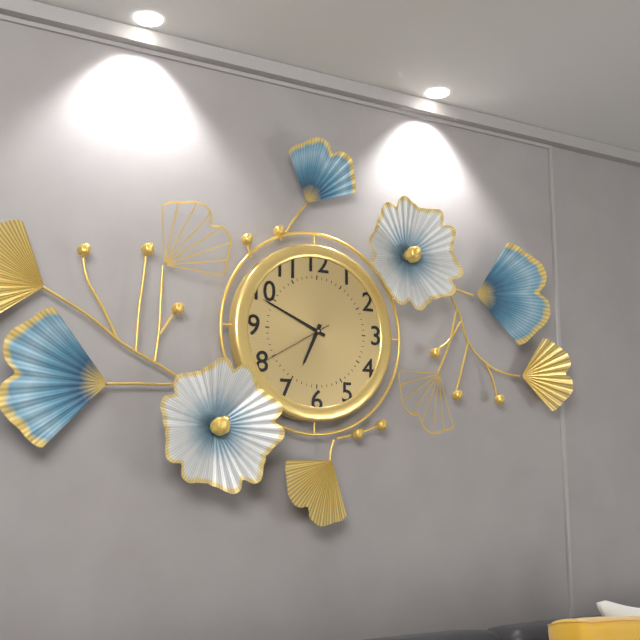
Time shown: **6:49:40**
